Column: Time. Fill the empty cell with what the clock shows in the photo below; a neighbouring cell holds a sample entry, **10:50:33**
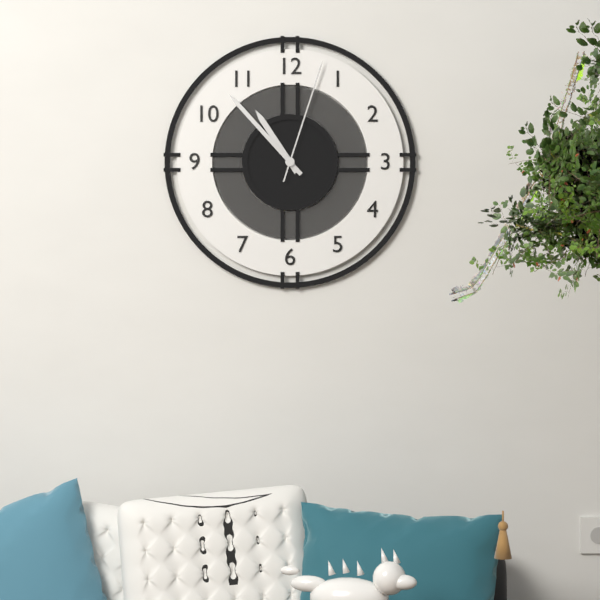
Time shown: **10:53:03**
